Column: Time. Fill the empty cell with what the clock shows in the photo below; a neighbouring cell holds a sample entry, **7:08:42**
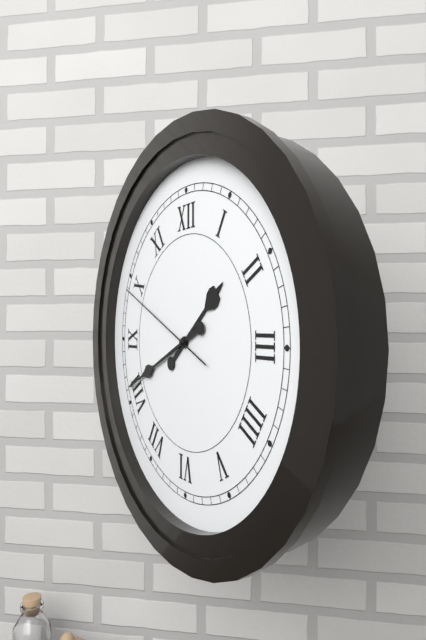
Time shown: **1:41:49**
